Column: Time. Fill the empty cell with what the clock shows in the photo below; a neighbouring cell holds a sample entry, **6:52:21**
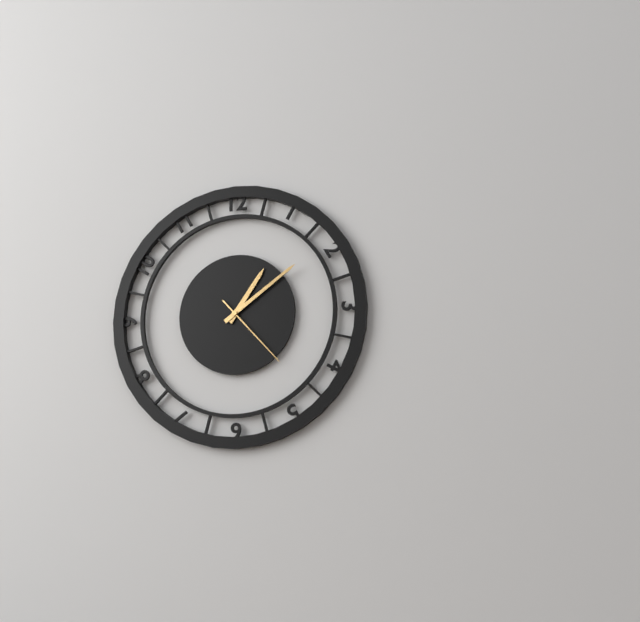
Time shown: **1:09:23**
